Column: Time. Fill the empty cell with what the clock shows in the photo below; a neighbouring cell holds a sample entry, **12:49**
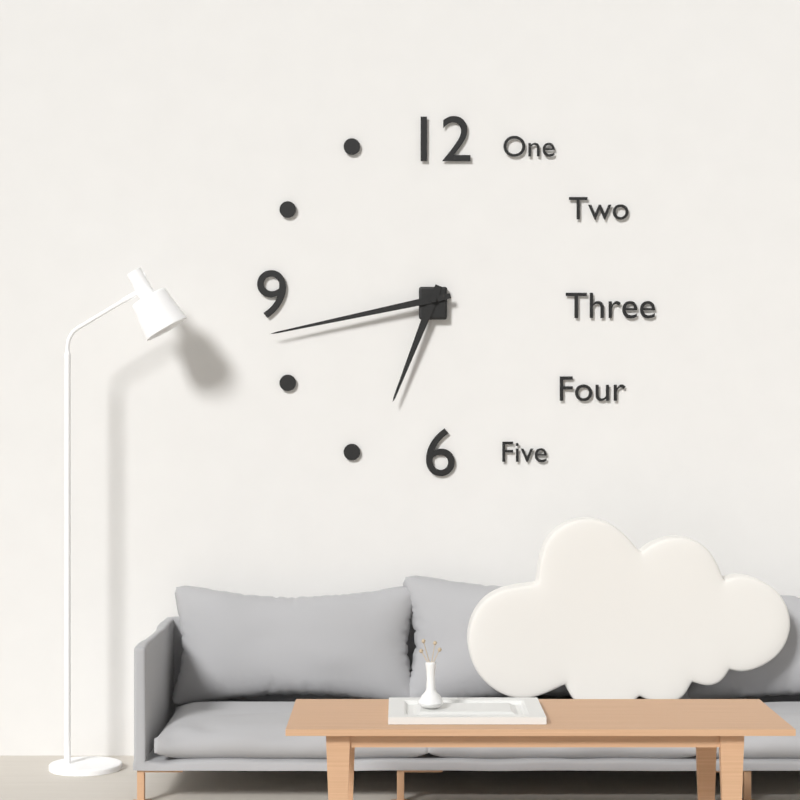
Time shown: **6:43**
